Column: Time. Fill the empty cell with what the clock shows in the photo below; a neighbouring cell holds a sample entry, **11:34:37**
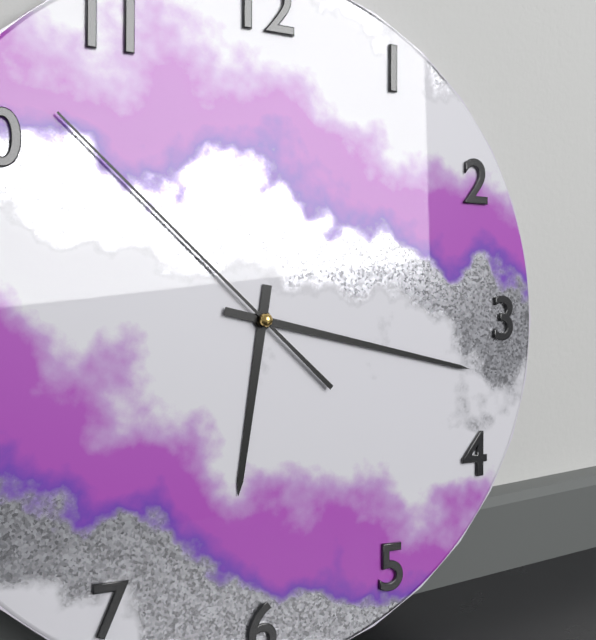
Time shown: **6:17:52**
